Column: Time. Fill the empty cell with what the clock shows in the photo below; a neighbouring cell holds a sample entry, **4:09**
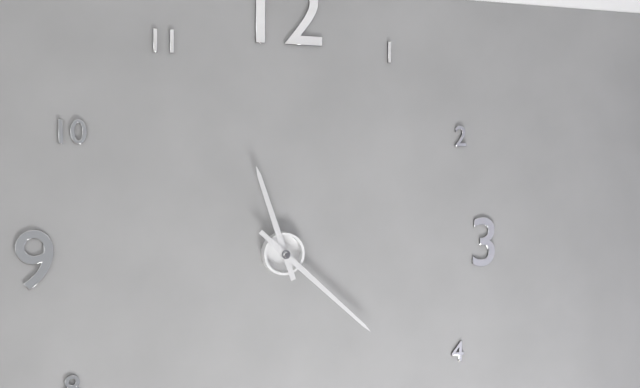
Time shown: **11:22**
